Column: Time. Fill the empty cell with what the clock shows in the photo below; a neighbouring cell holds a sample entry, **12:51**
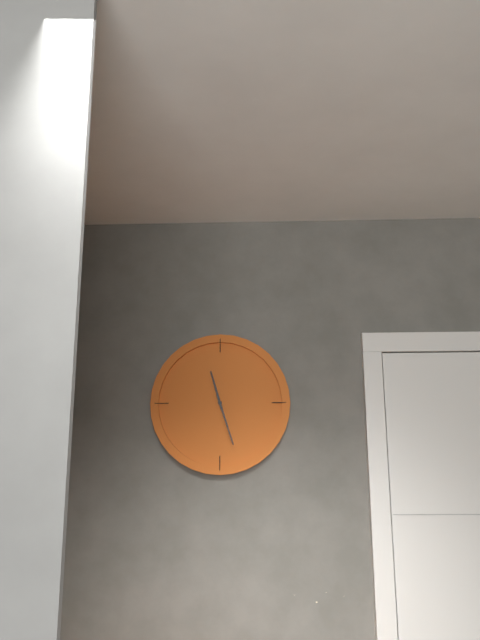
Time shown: **11:27**
